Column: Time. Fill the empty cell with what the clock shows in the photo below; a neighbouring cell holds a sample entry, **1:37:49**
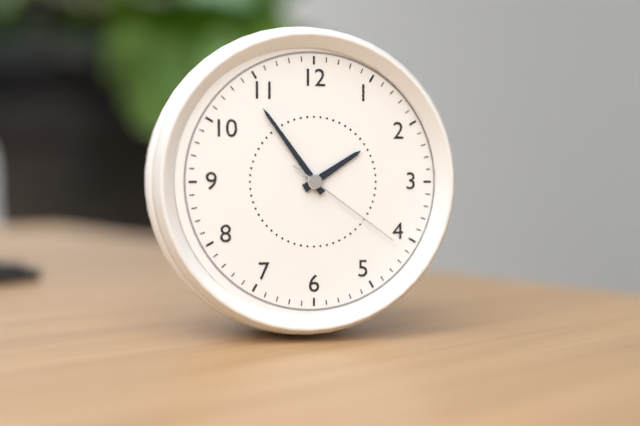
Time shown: **1:54:21**
